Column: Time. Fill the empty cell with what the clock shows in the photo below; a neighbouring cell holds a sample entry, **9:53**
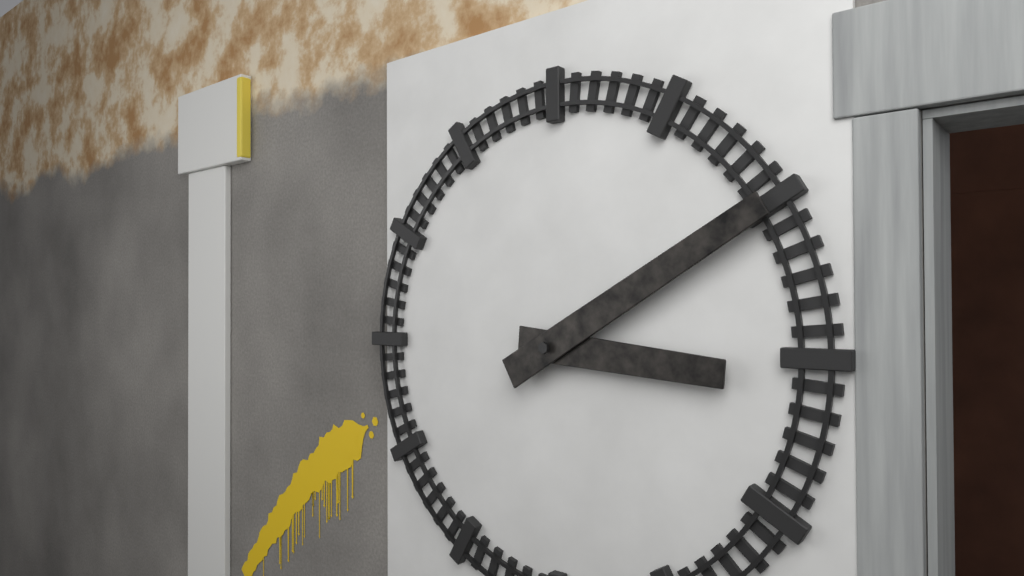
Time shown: **3:10**
